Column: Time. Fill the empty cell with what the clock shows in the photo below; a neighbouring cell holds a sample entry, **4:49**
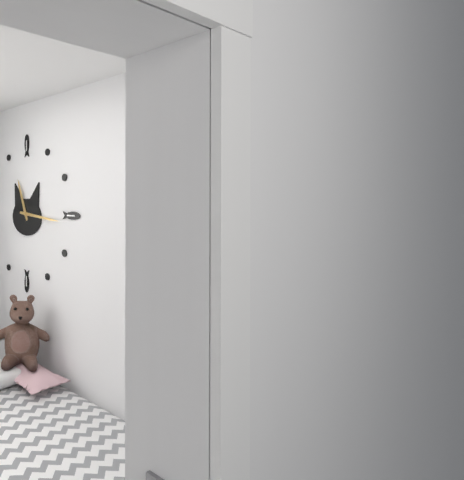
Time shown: **11:16**
